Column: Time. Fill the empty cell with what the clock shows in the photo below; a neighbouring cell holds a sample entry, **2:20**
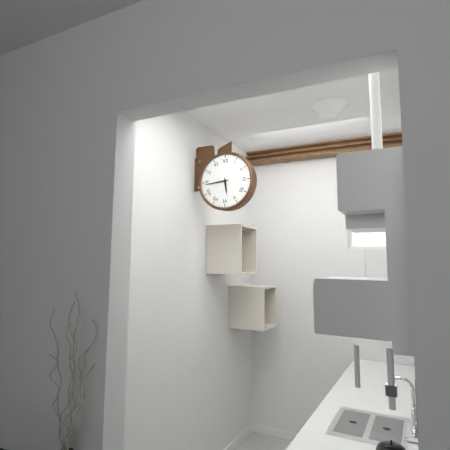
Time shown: **5:44**
